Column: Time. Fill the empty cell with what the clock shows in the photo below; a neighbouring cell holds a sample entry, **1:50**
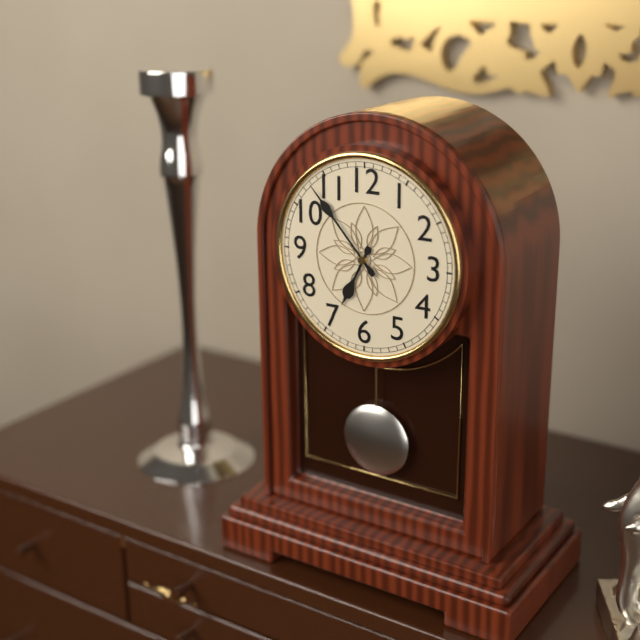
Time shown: **6:53**
